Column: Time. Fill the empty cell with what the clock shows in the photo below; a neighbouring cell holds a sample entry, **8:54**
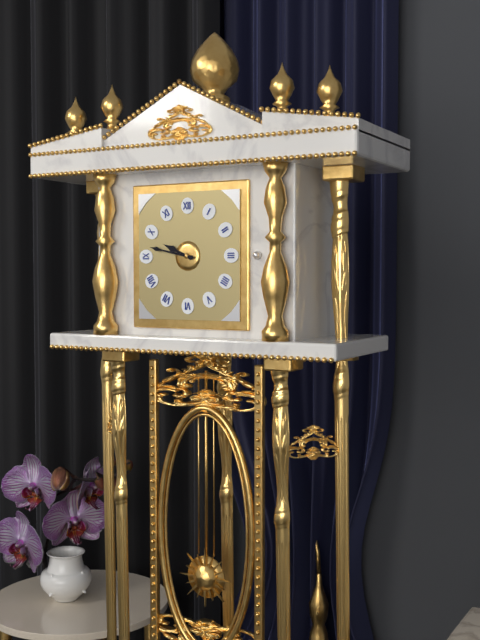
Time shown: **9:47**
